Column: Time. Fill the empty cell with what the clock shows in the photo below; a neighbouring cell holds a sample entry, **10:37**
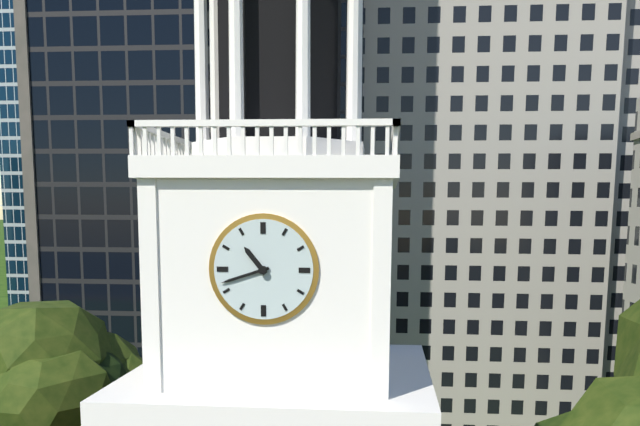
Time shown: **10:42**
